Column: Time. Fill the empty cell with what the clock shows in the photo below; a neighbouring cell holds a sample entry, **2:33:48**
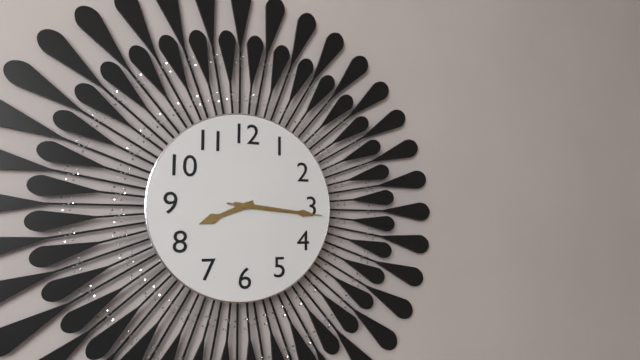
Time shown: **8:16:16**
